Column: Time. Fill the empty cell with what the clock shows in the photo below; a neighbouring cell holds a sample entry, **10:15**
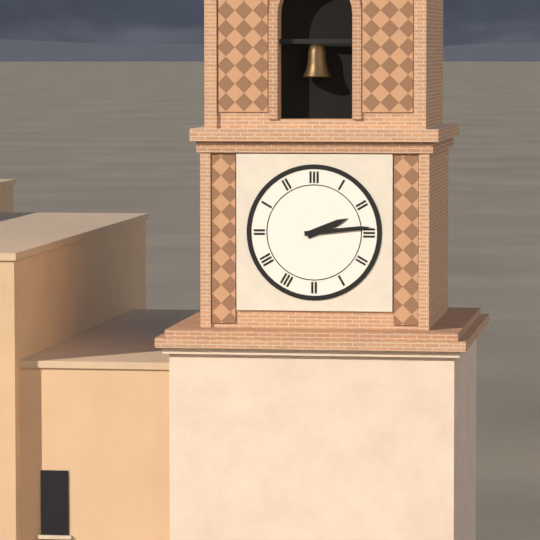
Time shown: **2:14**
